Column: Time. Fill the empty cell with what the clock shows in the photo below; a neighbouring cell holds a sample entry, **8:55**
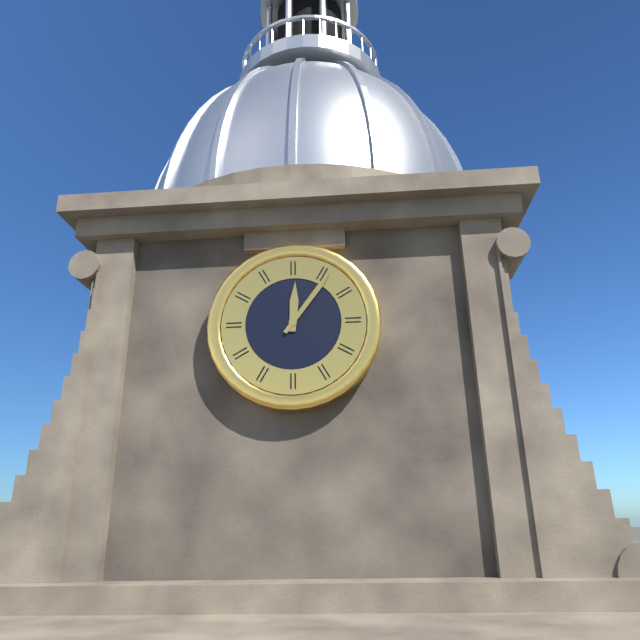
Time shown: **12:06**
